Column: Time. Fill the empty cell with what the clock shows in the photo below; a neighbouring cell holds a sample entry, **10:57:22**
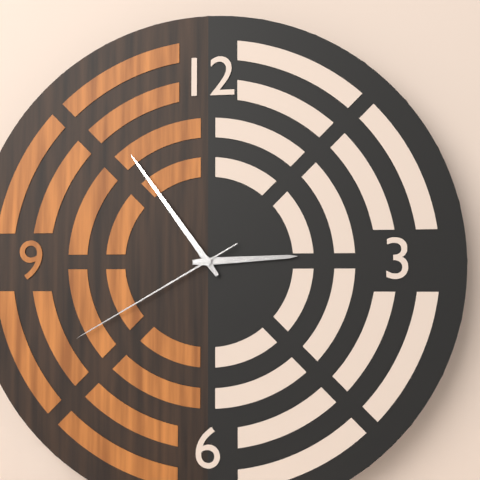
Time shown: **2:54:40**
